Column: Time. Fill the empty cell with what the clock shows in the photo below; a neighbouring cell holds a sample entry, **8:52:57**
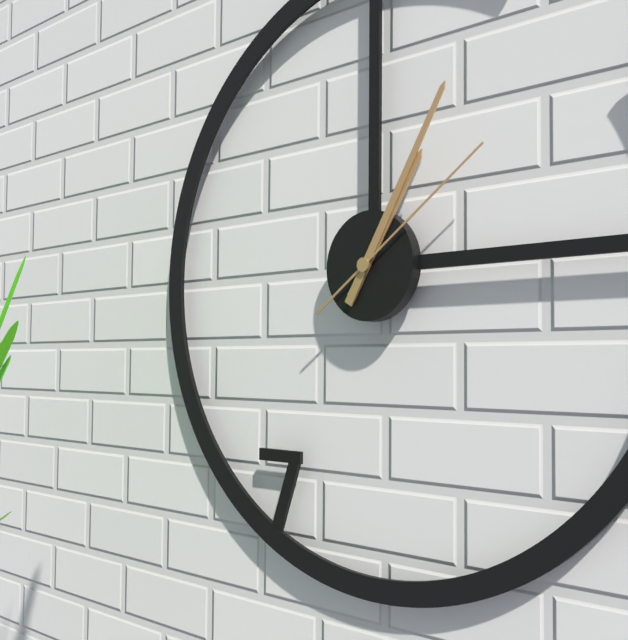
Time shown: **1:05:09**
